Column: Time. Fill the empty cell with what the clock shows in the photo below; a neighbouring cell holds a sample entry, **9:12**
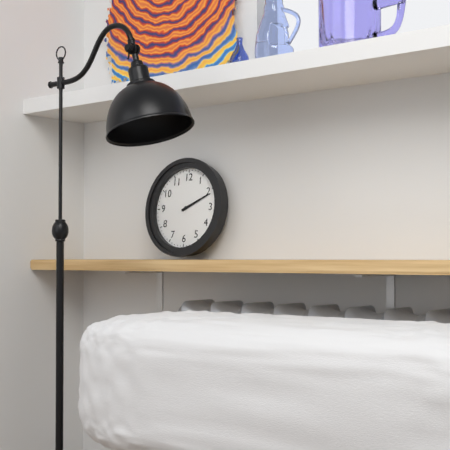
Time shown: **2:11**
